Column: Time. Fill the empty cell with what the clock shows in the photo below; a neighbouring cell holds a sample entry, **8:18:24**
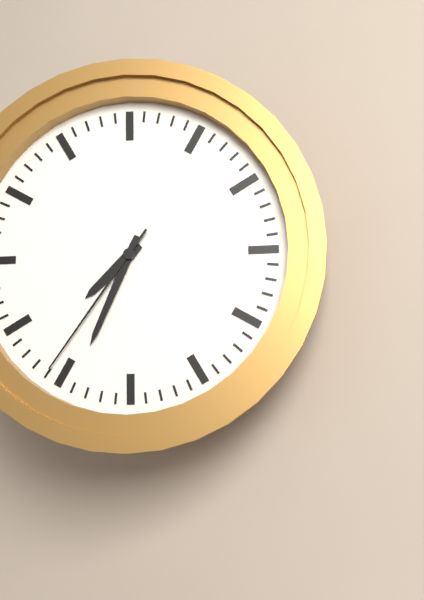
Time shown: **7:34:36**
